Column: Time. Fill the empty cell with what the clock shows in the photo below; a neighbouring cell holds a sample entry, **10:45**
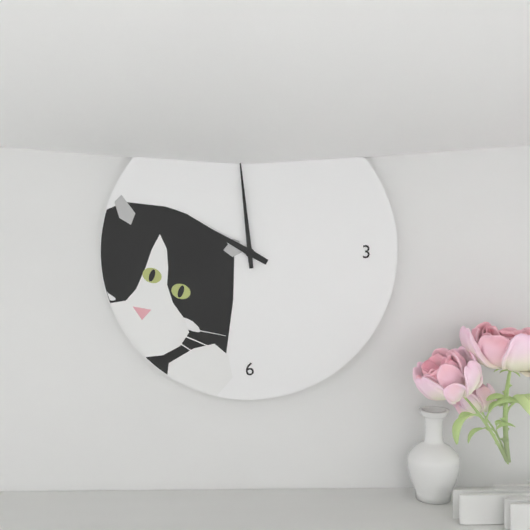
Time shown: **9:59**
